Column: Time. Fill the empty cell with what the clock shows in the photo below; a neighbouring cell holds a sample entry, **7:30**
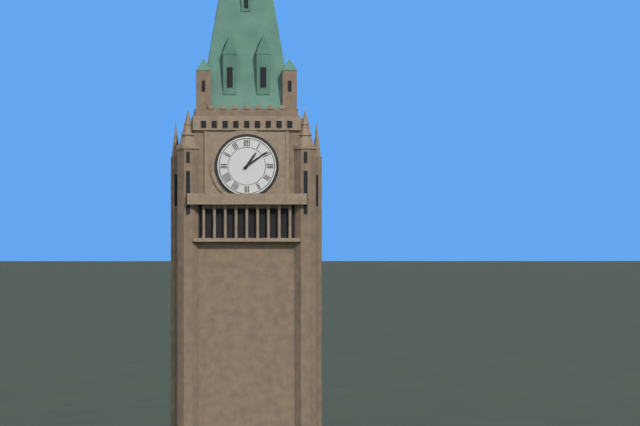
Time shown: **1:09**
